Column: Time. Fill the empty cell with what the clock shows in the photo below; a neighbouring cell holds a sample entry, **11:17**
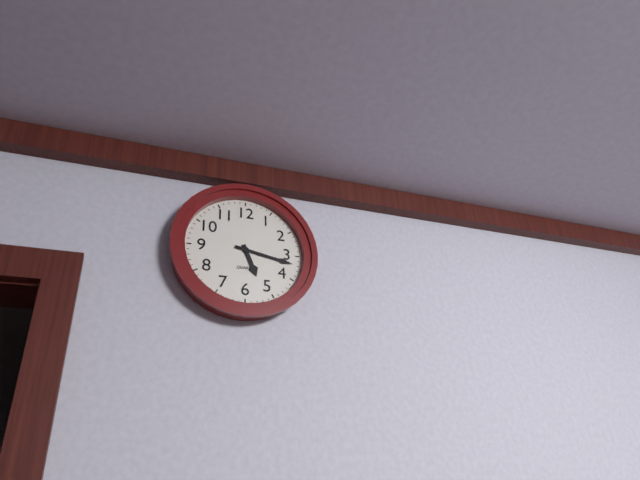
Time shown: **5:17**
